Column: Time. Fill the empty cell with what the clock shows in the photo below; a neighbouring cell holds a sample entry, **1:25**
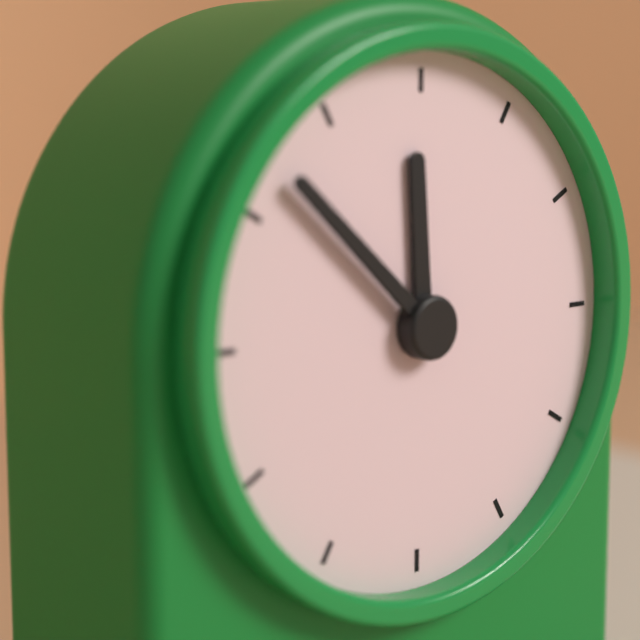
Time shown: **11:52**
